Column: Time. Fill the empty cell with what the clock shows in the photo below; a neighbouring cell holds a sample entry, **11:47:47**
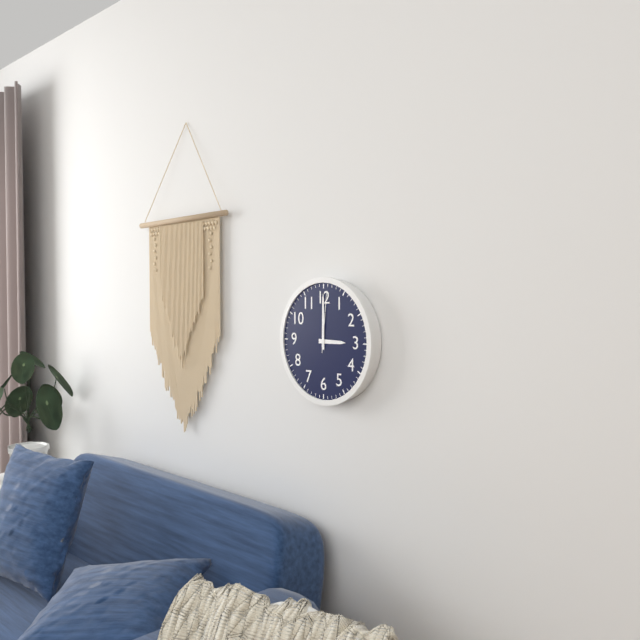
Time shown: **3:00:01**
